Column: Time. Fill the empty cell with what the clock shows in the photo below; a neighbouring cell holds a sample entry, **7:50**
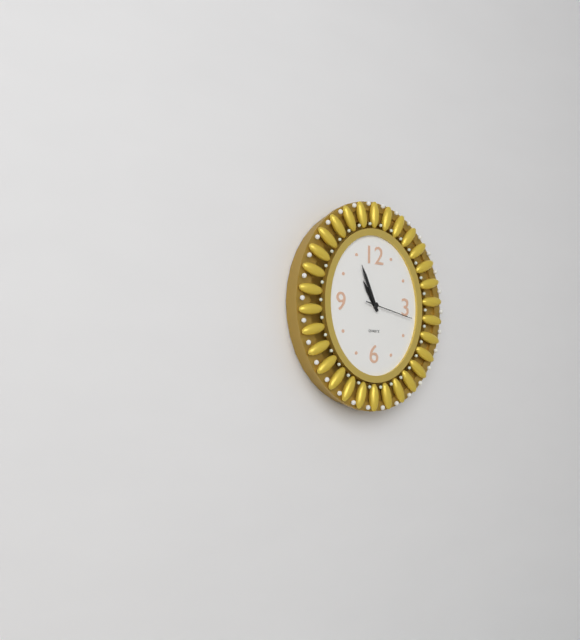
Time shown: **10:56**
